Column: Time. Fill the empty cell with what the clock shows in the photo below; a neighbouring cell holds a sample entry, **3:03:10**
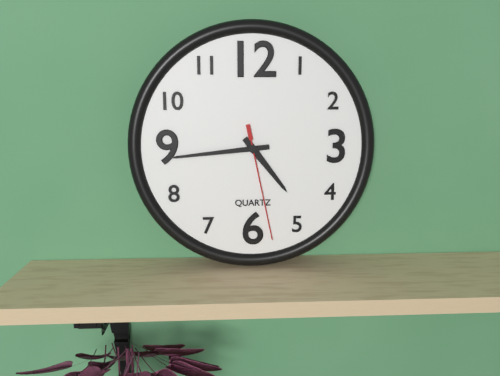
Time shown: **4:44:28**
